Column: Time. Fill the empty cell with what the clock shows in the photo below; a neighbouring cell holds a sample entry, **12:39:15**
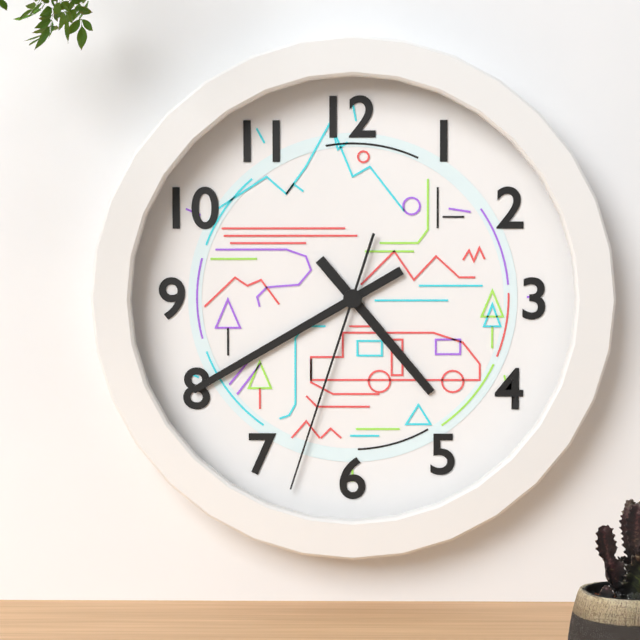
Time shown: **4:40:33**
